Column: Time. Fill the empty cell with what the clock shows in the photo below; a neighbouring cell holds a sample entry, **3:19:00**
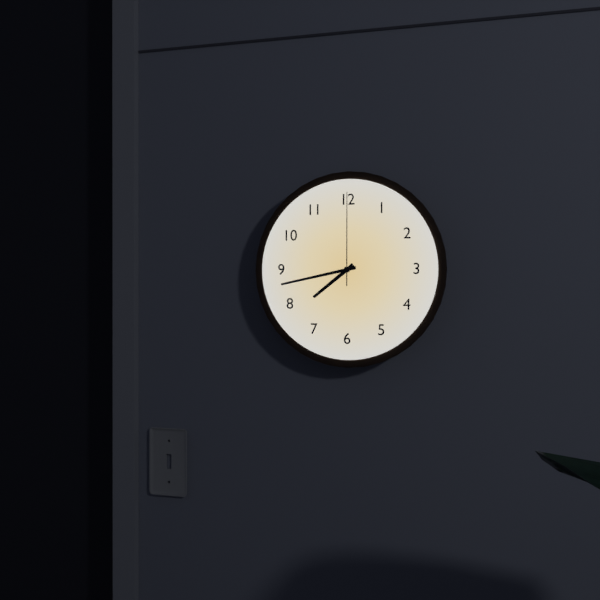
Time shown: **7:43:00**
